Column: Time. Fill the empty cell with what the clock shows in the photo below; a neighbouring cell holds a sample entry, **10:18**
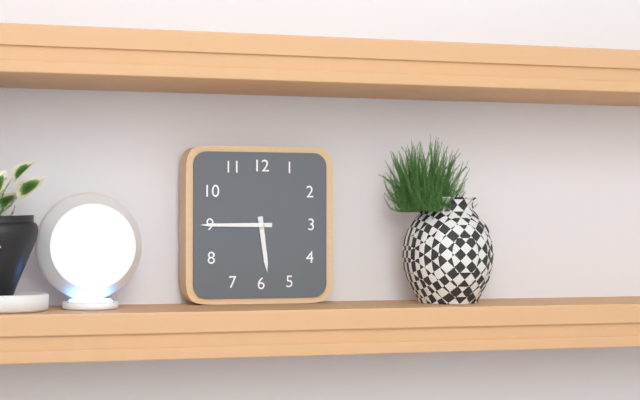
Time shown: **5:45**
